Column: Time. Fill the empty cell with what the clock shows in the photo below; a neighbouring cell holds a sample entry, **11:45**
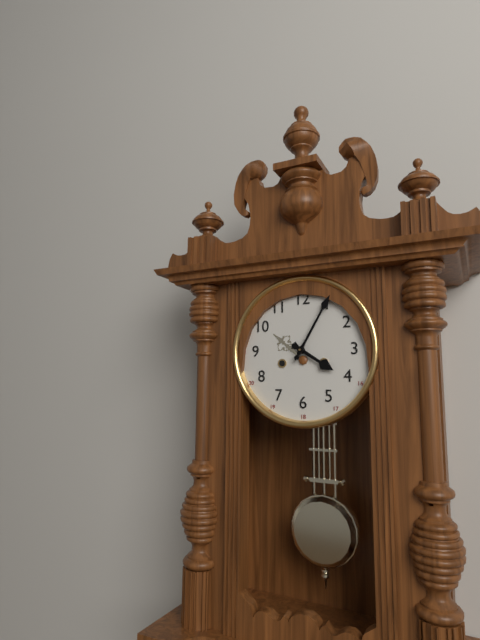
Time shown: **4:05**
